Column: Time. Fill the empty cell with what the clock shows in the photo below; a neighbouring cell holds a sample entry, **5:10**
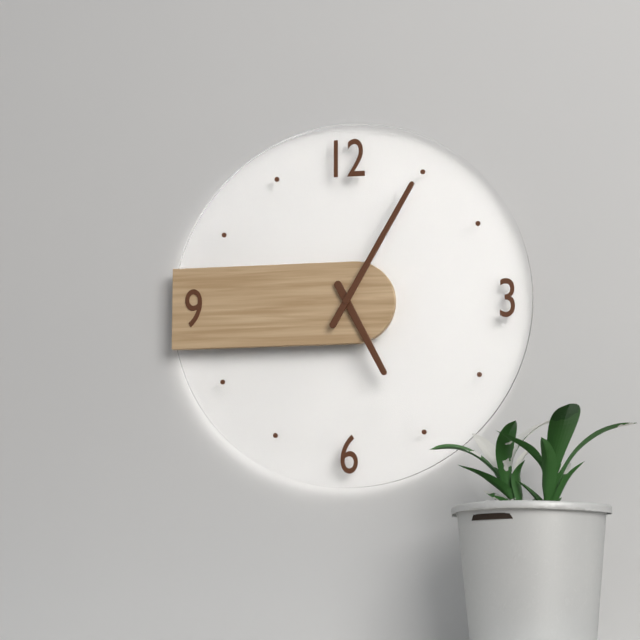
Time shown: **5:05**
